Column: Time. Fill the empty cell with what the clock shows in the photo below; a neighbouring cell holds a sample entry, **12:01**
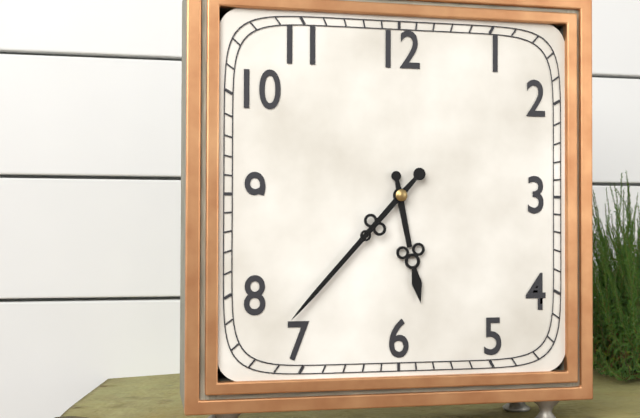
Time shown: **5:37**
